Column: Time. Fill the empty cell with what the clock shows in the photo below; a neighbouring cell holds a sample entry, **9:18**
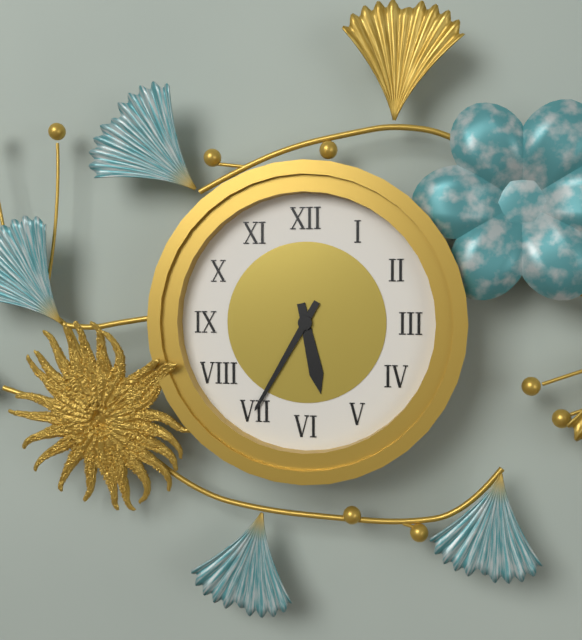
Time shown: **5:35**
